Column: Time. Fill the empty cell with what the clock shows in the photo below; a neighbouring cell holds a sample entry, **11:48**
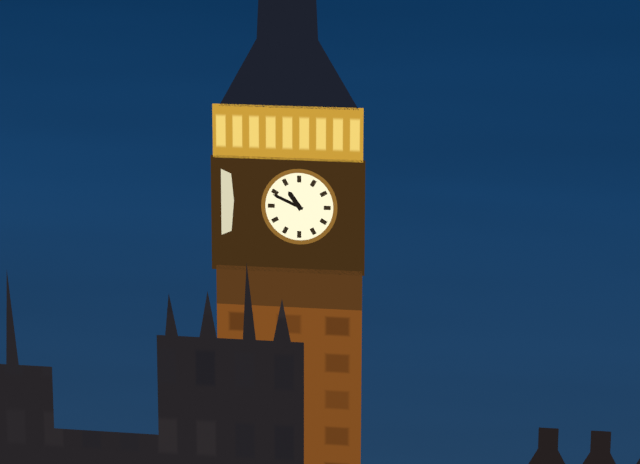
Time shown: **10:49**
